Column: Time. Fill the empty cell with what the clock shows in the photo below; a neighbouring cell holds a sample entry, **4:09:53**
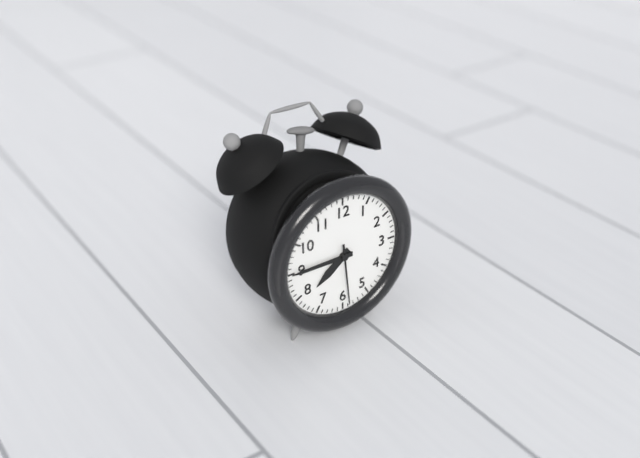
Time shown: **7:45:29**
